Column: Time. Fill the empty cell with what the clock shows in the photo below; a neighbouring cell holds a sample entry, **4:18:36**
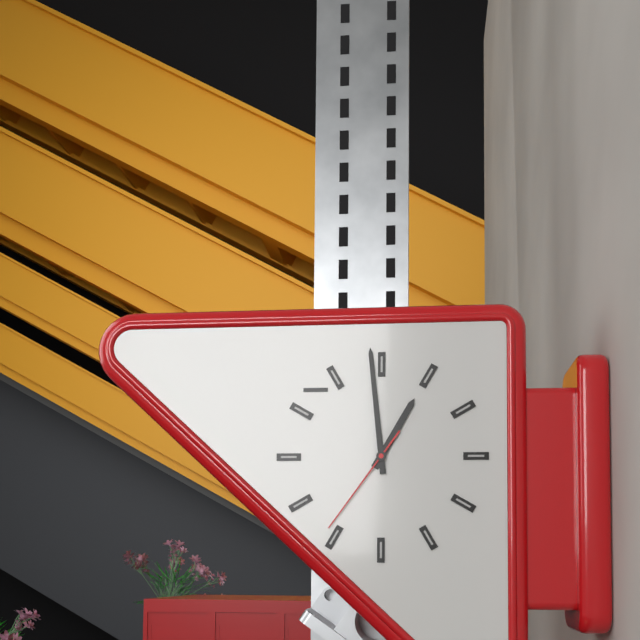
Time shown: **12:59:36**
